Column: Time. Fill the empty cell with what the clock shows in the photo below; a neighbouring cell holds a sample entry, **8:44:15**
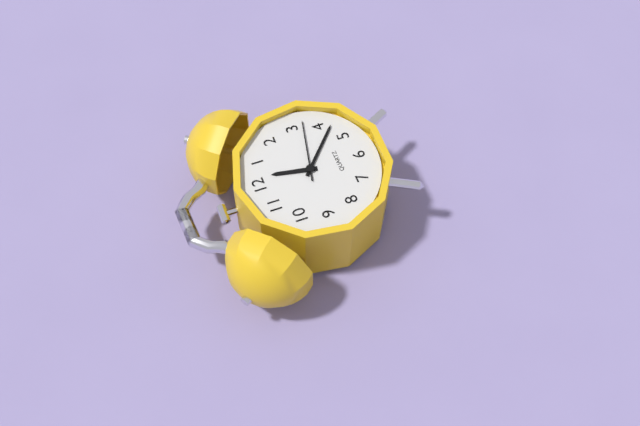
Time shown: **12:22:17**
